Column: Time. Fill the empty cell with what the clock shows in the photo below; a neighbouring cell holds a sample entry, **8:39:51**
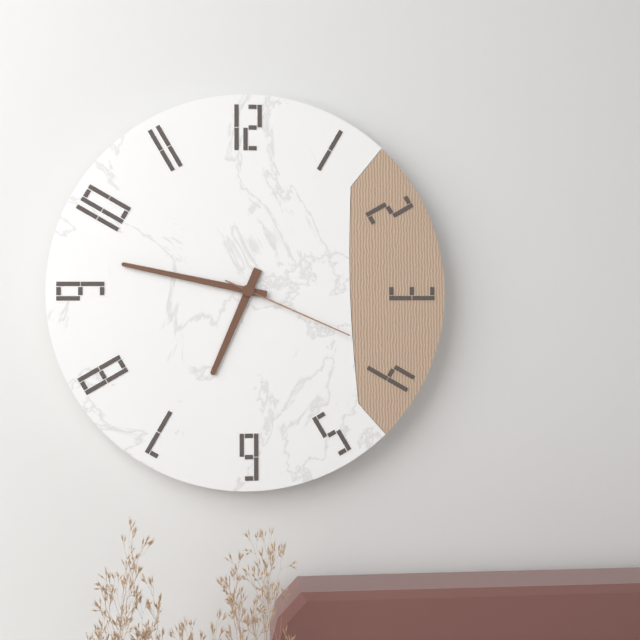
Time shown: **6:47:19**
